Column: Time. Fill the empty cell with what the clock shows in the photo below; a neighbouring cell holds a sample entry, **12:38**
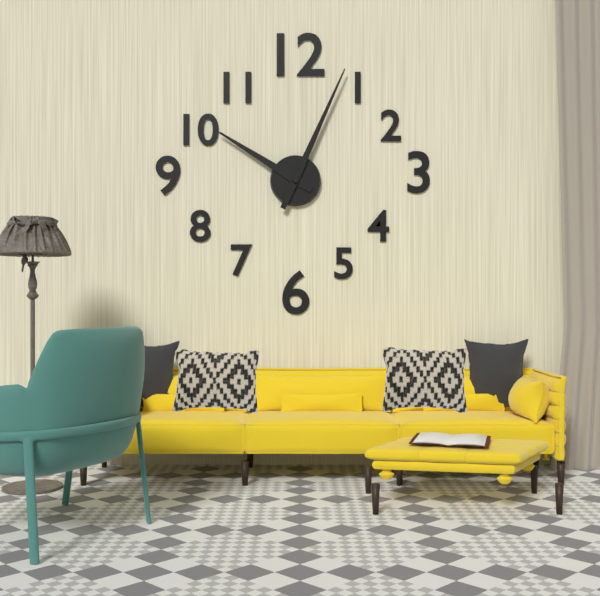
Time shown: **10:04**
